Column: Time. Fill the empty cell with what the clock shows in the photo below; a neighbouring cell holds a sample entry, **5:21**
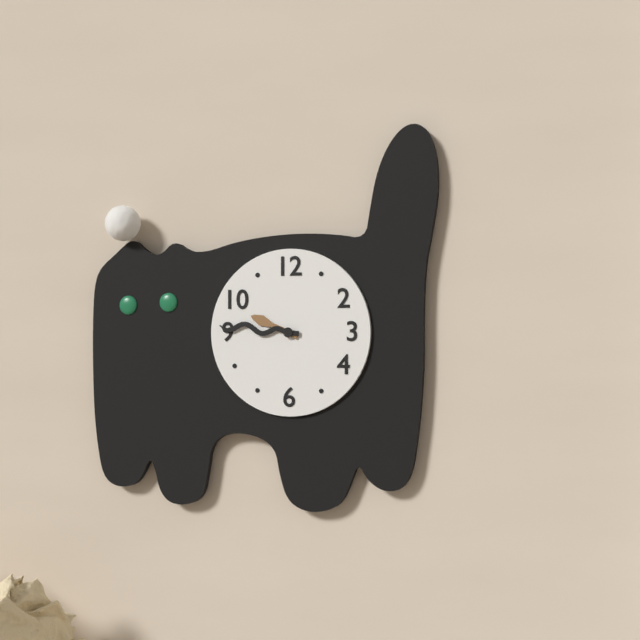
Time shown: **9:46**
